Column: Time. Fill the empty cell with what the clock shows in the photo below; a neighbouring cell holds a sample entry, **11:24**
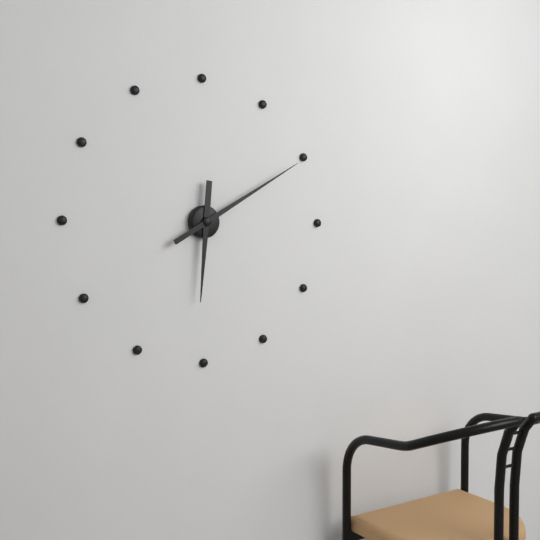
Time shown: **6:10**
